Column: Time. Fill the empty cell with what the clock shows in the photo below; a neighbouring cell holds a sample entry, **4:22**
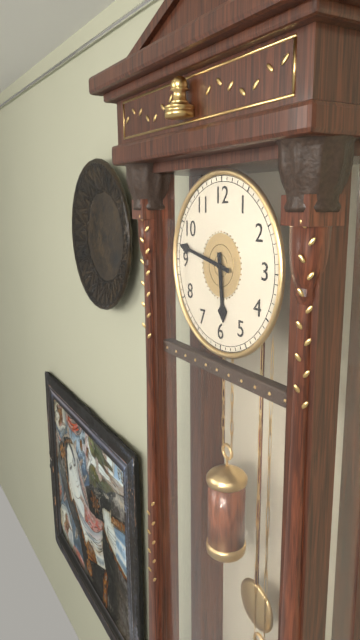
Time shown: **5:47**
